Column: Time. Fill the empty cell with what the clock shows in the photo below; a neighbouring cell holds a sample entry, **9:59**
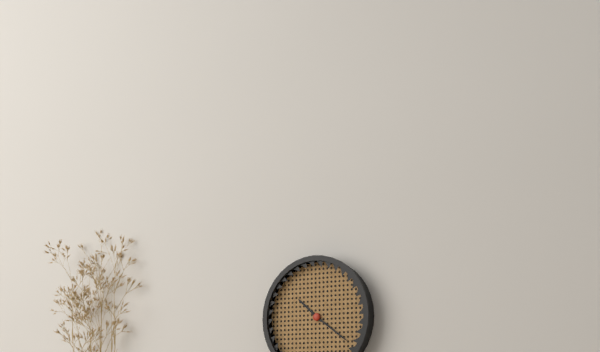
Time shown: **10:21**
